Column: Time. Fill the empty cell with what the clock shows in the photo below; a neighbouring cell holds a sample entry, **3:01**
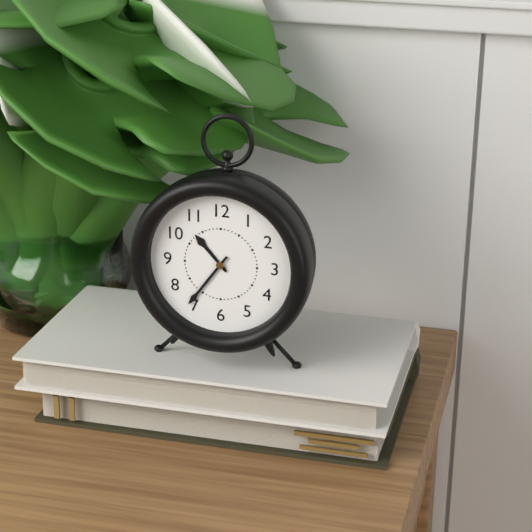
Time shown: **10:36**
